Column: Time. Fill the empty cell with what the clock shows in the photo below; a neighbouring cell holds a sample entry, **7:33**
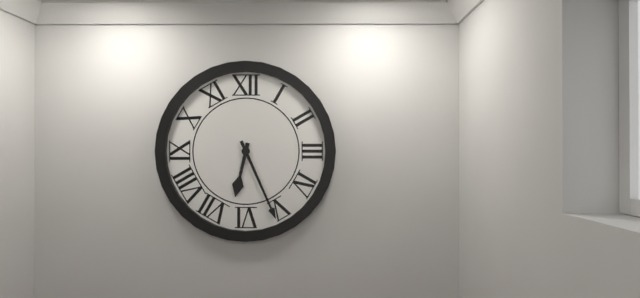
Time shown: **6:26**
